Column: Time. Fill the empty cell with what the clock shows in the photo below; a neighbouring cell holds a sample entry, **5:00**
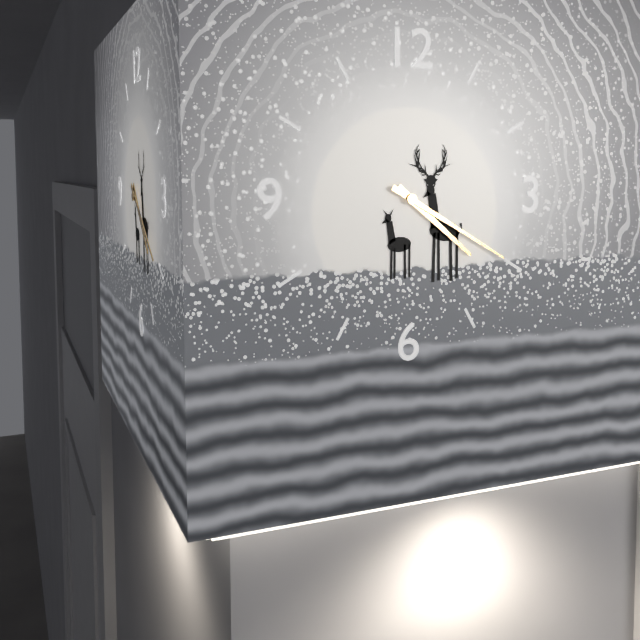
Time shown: **4:20**
